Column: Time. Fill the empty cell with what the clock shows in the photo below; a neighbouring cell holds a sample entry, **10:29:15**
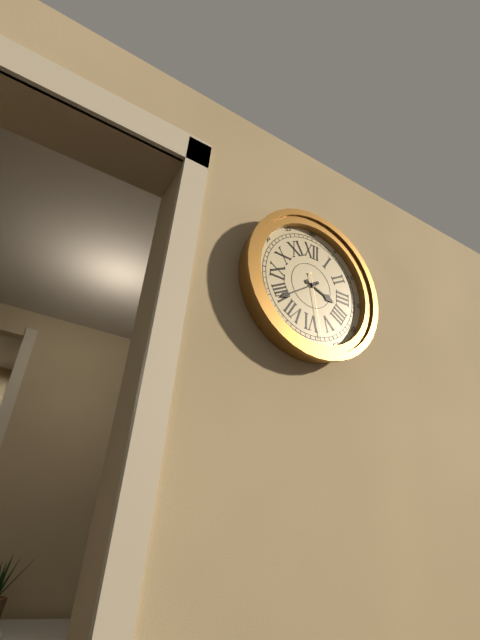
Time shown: **3:39:28**
